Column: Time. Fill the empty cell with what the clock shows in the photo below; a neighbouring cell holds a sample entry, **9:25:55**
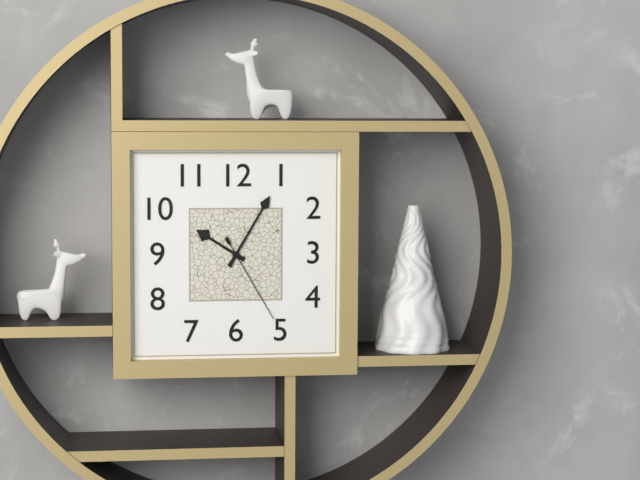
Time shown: **10:05:25**
